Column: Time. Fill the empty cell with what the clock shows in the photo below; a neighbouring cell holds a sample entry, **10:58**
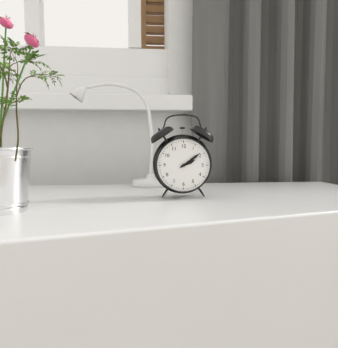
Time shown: **2:09**
